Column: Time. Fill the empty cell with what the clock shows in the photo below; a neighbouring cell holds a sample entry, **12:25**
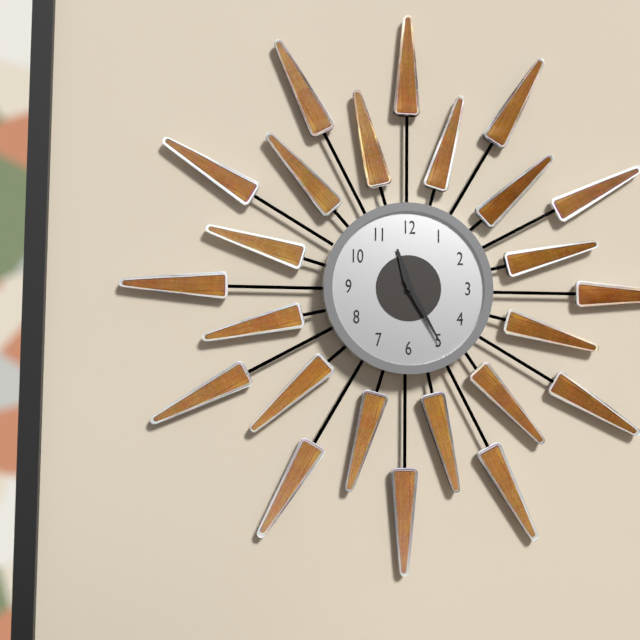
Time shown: **11:25**
